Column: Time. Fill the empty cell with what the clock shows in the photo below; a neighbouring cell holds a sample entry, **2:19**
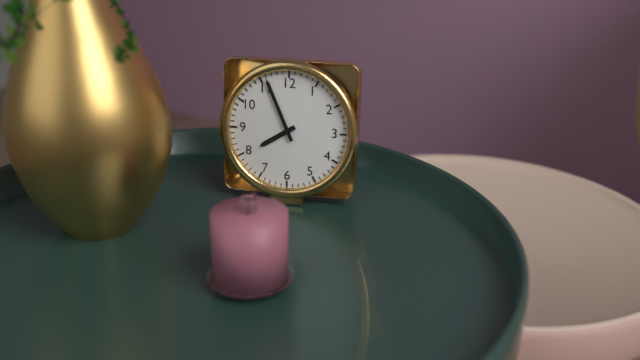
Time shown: **7:56**
